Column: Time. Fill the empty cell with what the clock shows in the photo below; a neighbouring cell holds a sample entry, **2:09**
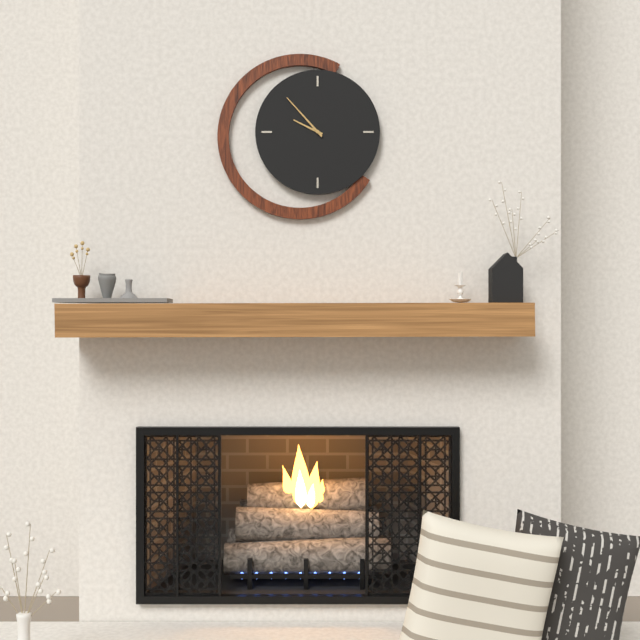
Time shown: **9:53**
